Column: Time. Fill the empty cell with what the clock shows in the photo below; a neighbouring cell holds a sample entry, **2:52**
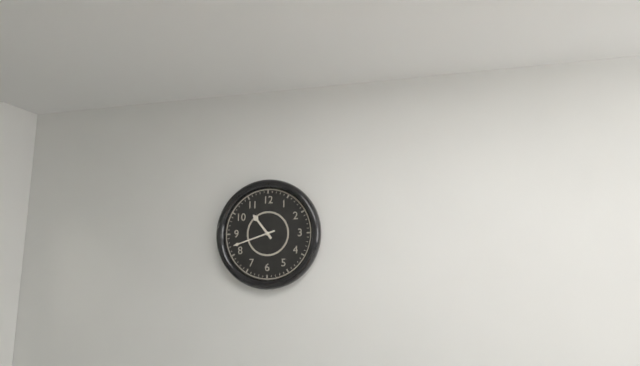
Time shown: **10:42**
